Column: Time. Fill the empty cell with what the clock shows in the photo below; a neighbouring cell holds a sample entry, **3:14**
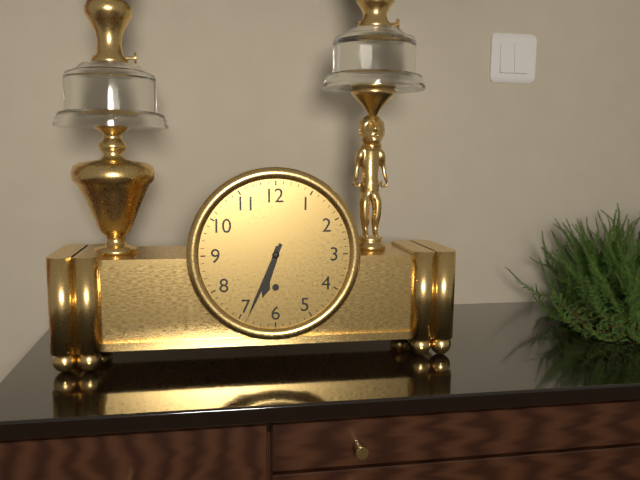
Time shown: **6:34**
